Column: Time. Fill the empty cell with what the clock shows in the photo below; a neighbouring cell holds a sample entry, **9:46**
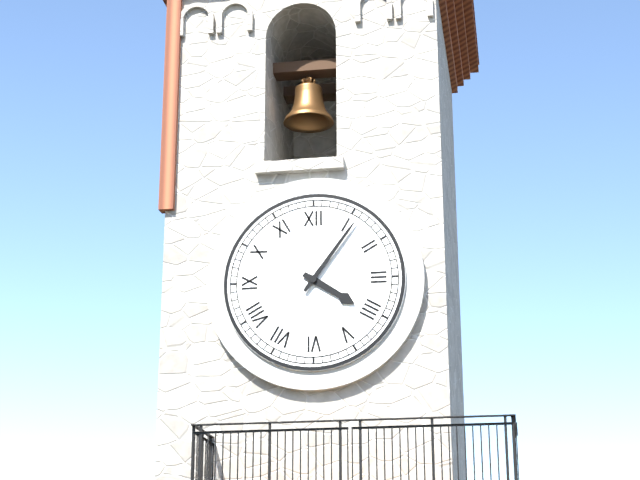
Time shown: **4:06**
